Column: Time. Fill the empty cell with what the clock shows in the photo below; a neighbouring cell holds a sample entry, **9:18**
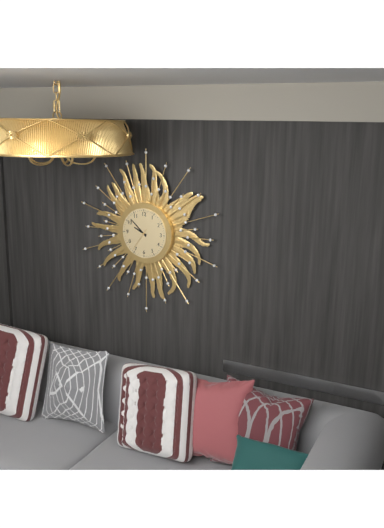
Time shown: **9:52**
